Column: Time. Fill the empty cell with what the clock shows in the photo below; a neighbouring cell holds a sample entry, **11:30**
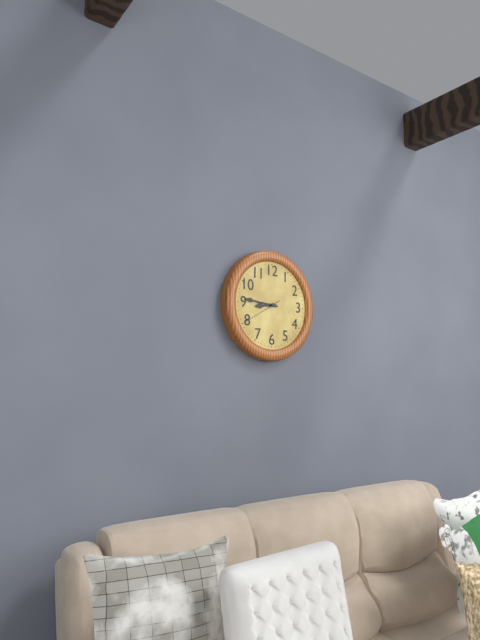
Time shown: **8:46**
